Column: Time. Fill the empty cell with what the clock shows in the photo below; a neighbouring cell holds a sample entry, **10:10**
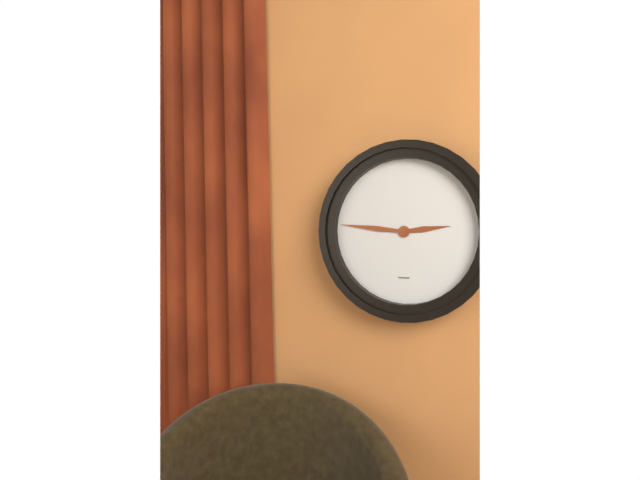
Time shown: **2:46**
